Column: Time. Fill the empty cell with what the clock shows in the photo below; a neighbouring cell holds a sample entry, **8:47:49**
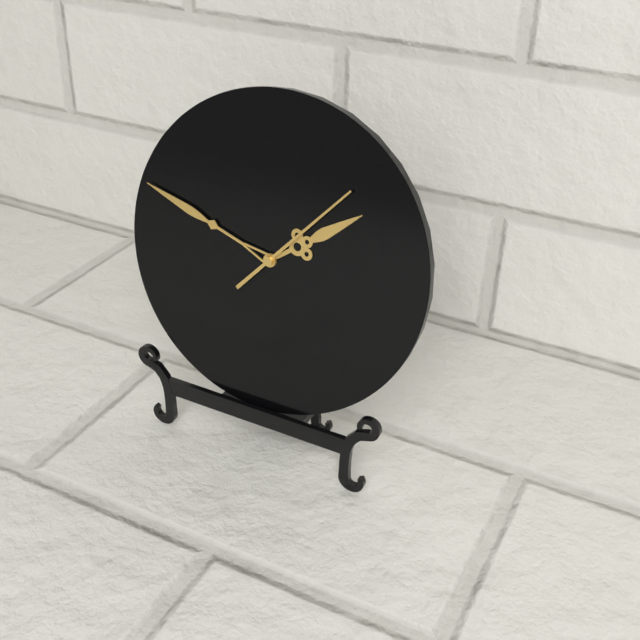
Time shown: **1:48:07**
